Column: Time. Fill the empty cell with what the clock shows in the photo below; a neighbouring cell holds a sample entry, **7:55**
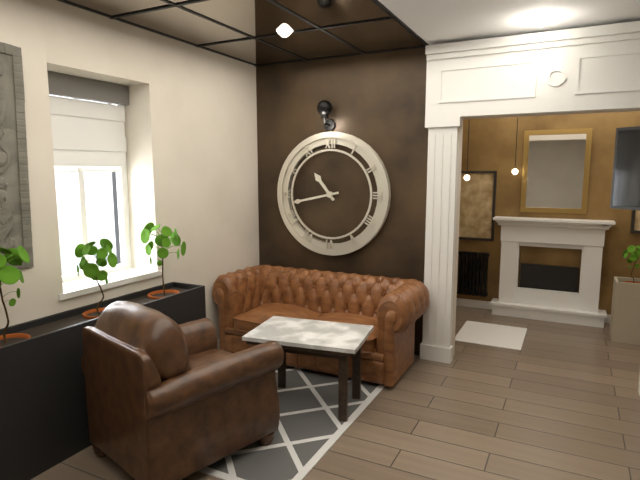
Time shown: **10:43**
